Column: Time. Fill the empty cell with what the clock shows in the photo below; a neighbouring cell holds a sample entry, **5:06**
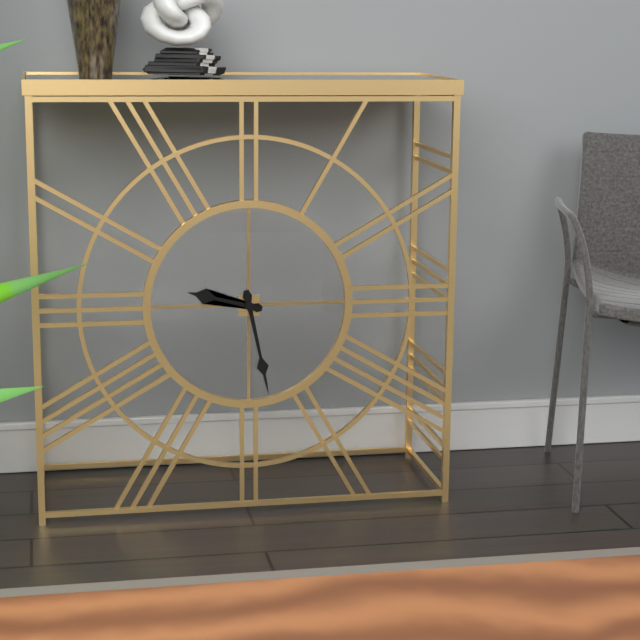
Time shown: **9:28**
